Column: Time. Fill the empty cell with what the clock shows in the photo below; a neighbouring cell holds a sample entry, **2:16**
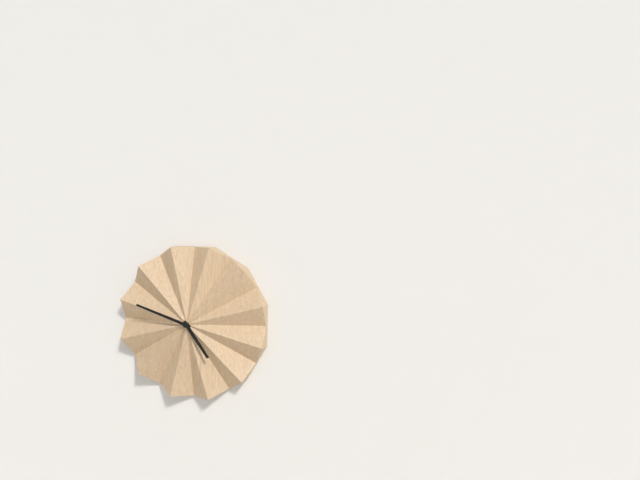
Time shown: **4:48**
